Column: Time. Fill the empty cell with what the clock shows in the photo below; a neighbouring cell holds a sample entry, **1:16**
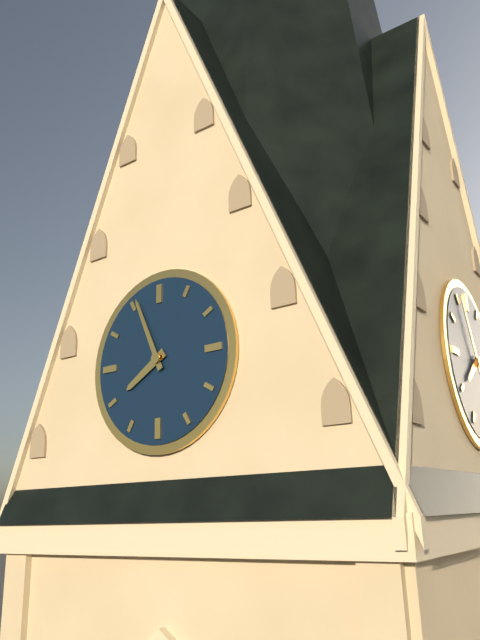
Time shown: **7:56**
